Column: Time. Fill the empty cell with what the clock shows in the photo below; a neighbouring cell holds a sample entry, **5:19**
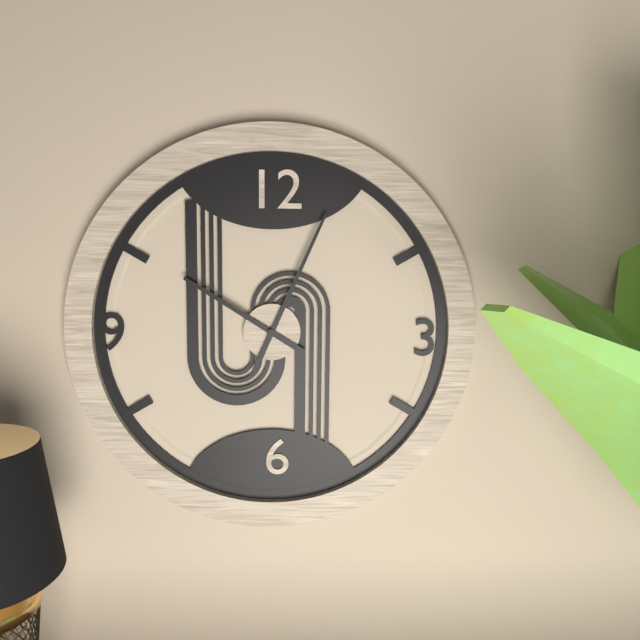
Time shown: **10:04**
